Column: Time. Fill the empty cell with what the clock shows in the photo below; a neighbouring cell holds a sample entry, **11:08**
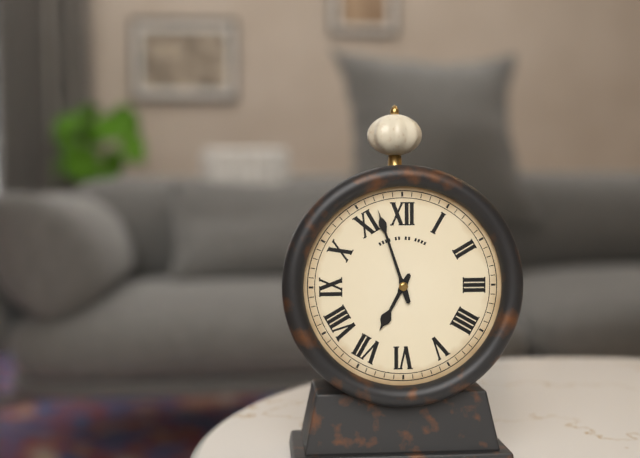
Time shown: **6:57**
